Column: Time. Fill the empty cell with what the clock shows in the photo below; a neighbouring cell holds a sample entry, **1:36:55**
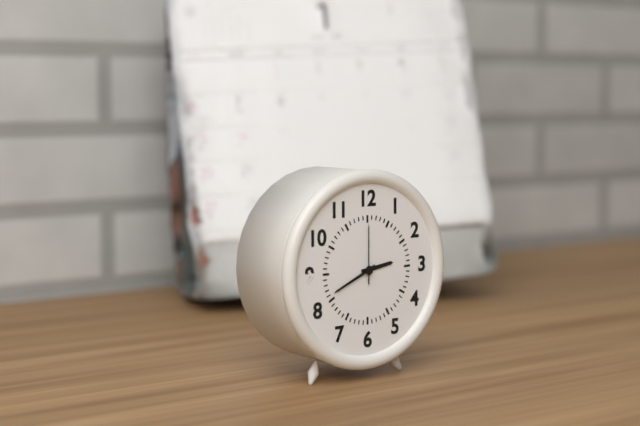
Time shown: **2:41:00**
